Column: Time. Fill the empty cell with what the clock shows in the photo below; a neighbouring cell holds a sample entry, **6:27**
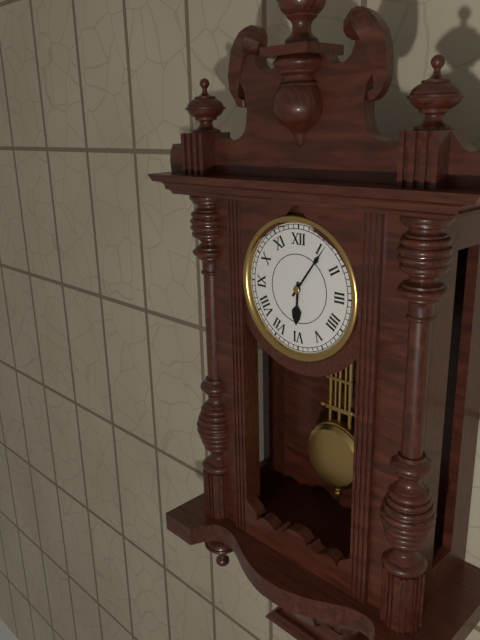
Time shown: **6:06**
